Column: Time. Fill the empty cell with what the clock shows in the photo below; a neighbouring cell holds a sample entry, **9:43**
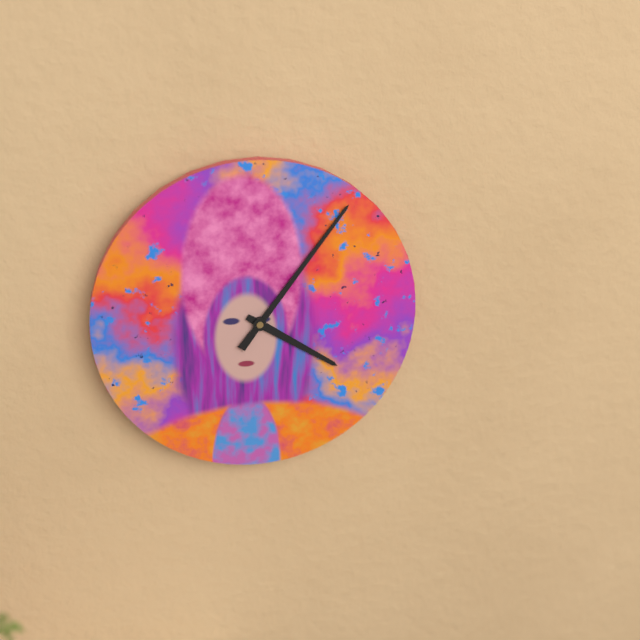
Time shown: **4:06**
